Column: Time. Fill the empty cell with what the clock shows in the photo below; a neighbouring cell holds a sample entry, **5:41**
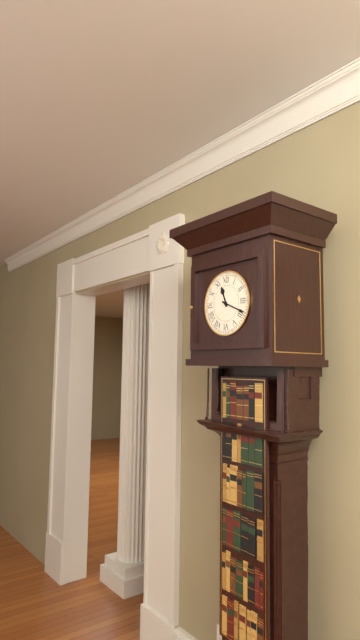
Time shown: **11:19**
